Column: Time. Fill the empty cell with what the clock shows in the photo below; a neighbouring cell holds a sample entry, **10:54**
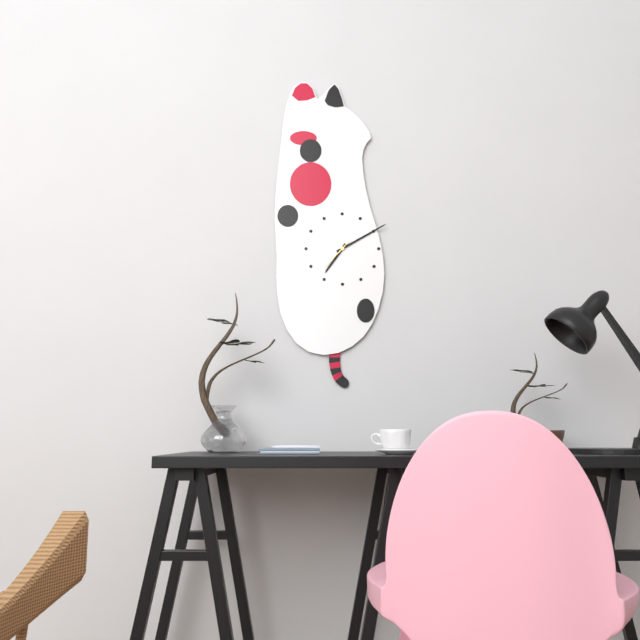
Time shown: **7:10**
